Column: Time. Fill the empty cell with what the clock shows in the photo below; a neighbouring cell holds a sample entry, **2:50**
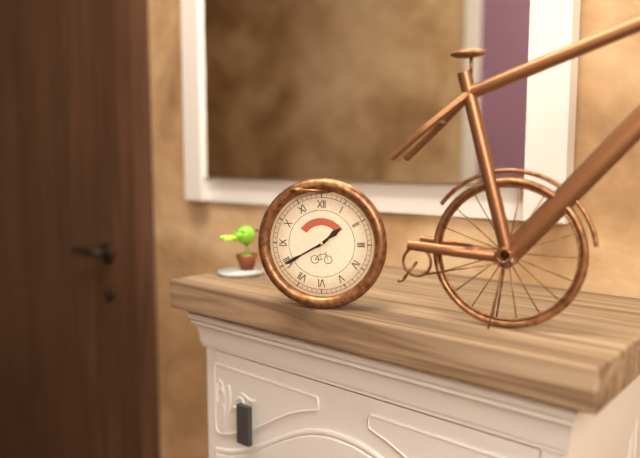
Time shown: **1:40**
